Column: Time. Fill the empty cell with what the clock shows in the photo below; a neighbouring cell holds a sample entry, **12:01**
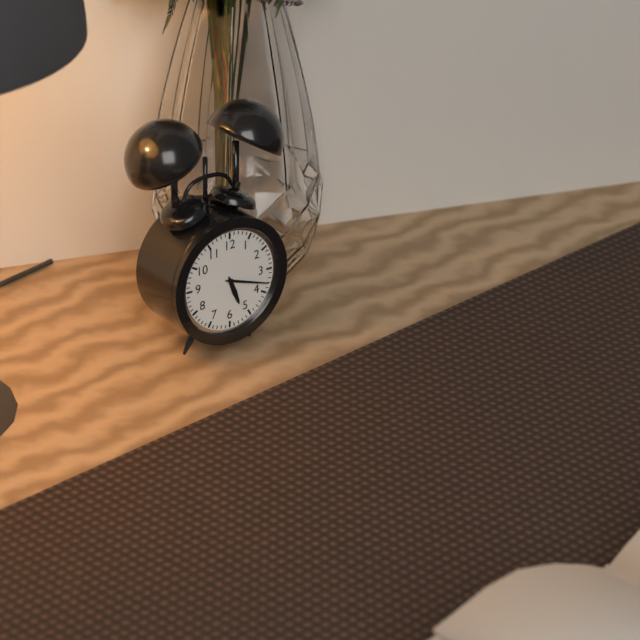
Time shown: **5:18**
